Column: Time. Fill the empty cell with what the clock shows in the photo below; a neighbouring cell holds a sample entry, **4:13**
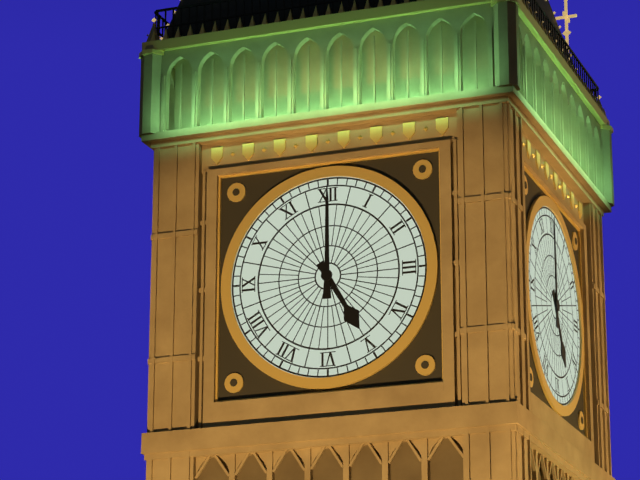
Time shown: **5:00**
